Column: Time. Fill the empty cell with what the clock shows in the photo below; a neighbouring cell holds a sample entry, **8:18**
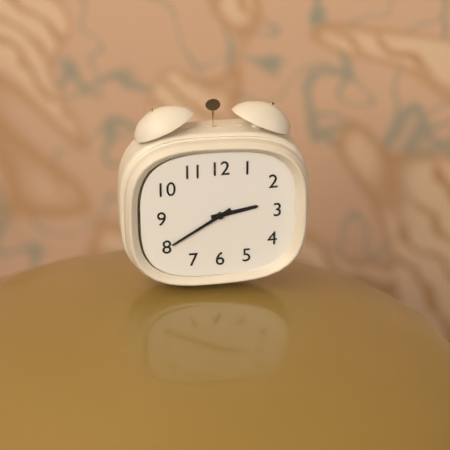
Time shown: **2:40**
